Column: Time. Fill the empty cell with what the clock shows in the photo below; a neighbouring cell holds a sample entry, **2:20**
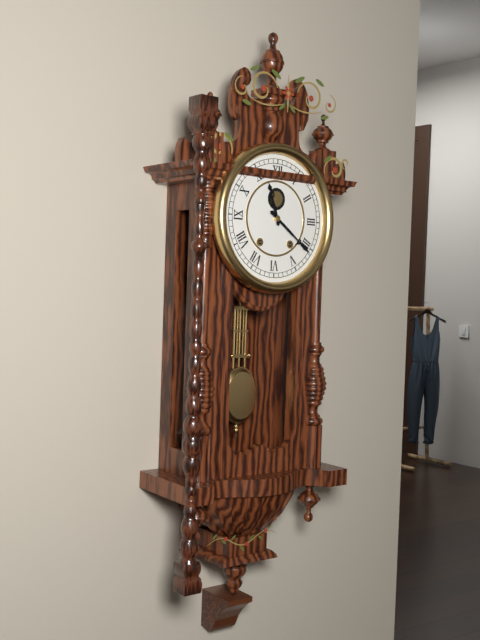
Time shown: **11:21**
